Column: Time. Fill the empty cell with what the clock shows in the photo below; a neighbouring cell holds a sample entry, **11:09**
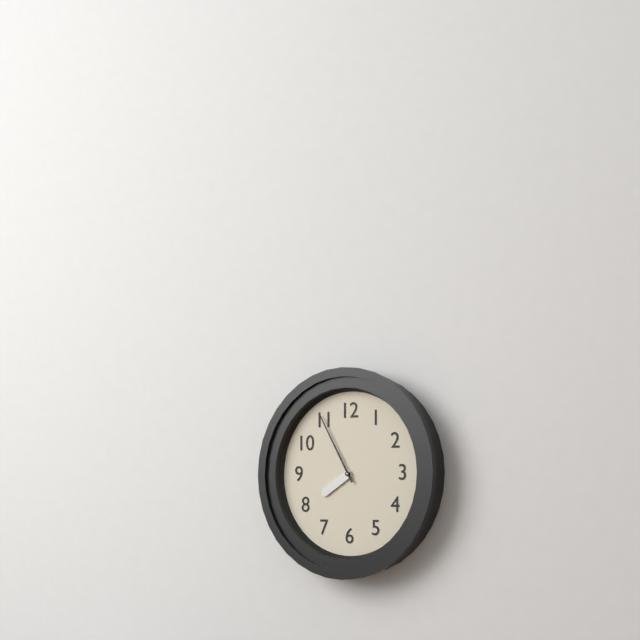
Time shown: **7:55**
